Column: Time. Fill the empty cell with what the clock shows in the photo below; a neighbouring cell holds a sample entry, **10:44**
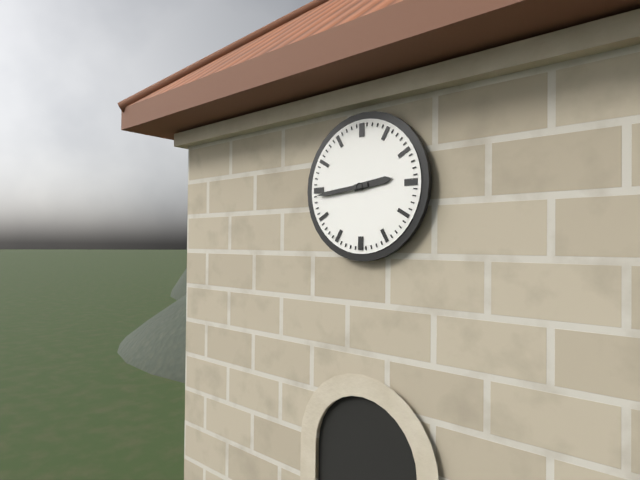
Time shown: **2:44**
